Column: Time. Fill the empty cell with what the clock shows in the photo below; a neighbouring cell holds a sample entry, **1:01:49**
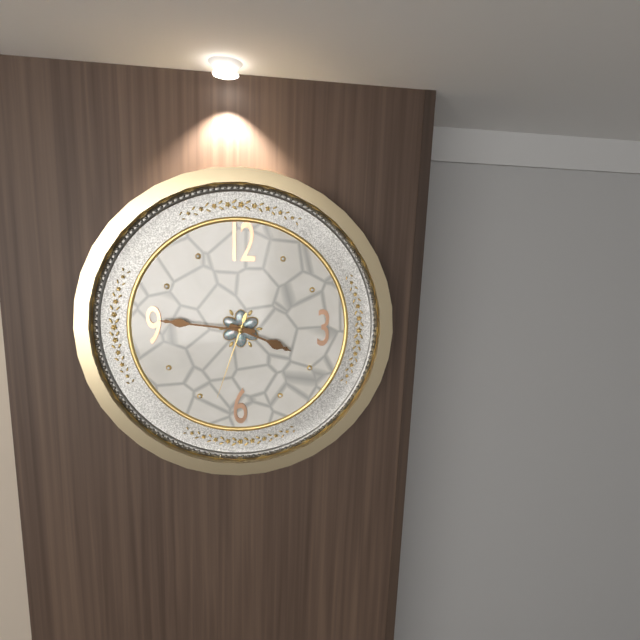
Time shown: **3:46:33**
